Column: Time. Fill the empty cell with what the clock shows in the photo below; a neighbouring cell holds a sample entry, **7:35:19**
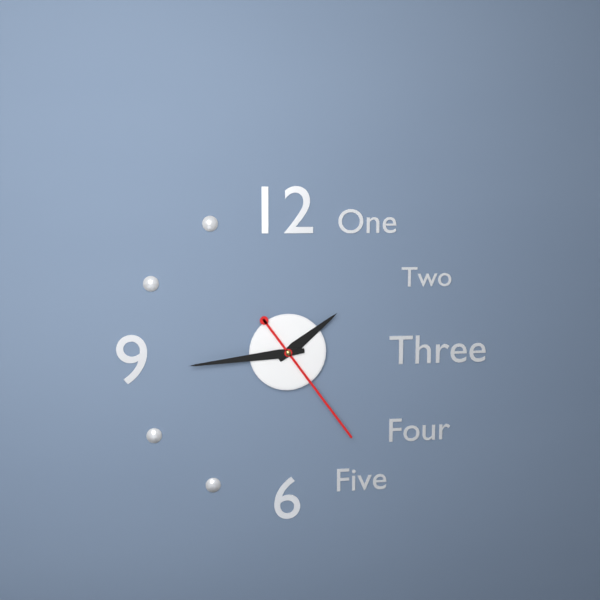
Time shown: **1:44:24**
